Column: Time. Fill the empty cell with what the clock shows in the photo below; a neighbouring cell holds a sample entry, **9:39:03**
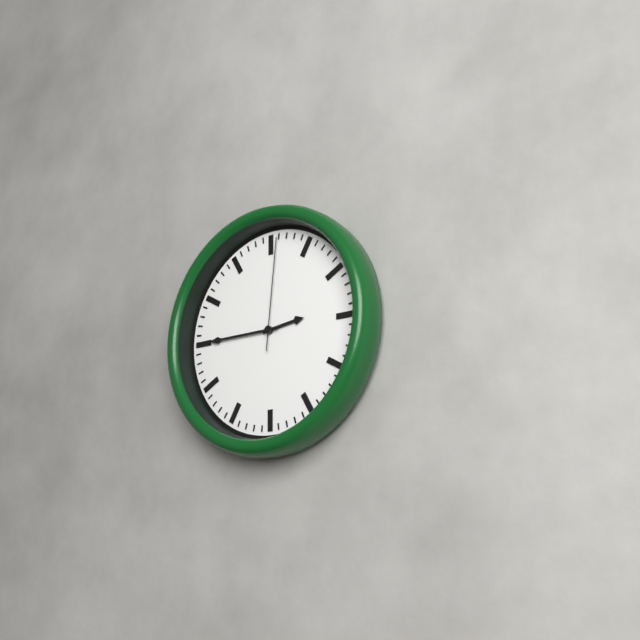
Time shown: **2:45:01**
